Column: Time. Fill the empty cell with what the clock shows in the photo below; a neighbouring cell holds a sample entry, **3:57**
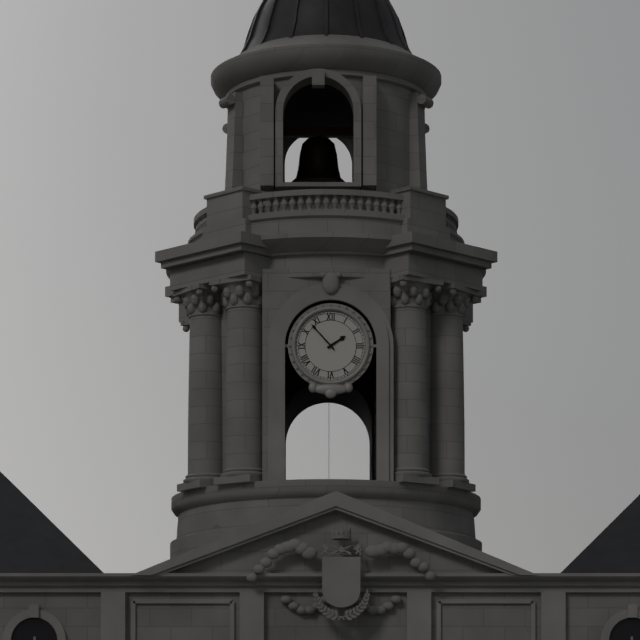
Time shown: **1:53**
